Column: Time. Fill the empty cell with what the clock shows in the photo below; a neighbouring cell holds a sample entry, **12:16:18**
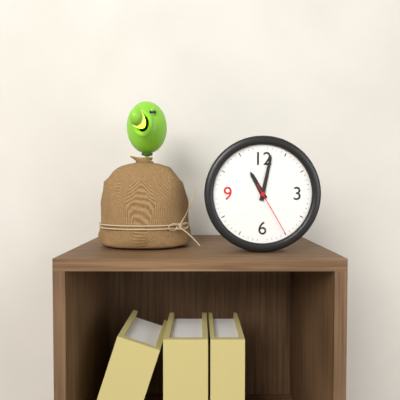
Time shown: **11:02:25**
